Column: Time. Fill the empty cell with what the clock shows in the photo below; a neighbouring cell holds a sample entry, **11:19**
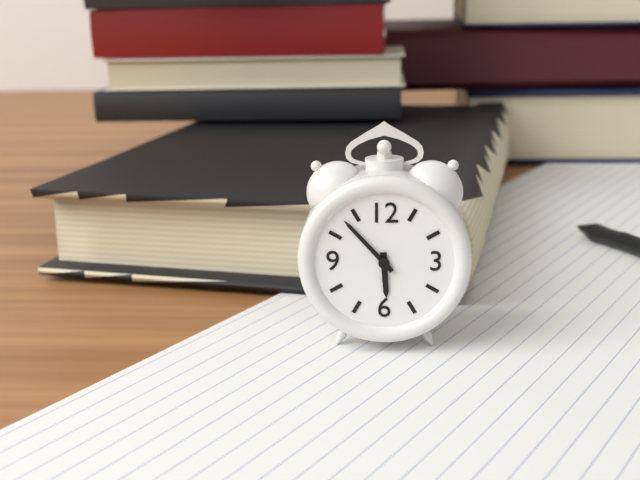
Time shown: **5:53**
